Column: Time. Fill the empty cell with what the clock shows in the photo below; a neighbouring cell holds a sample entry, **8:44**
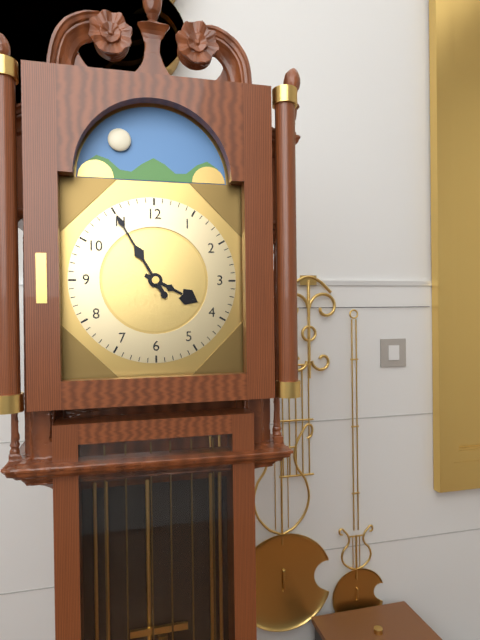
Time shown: **3:55**
